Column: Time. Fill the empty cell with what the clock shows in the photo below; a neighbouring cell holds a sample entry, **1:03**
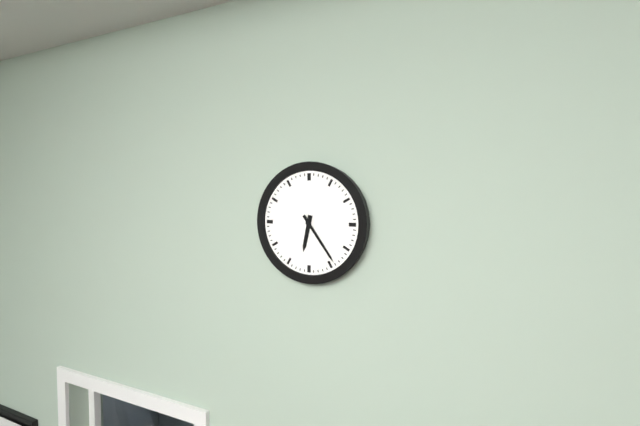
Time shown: **6:24**
